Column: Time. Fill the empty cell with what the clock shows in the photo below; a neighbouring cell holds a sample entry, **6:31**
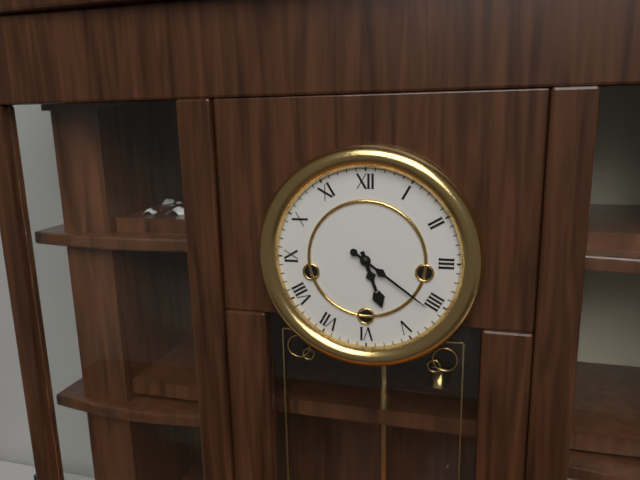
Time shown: **5:21**
